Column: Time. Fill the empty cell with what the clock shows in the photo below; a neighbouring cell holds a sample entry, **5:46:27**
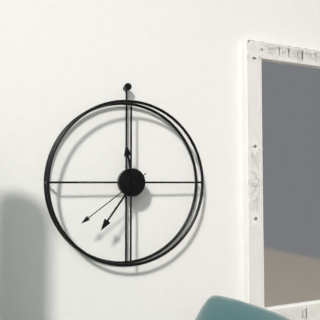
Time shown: **11:36:39**
